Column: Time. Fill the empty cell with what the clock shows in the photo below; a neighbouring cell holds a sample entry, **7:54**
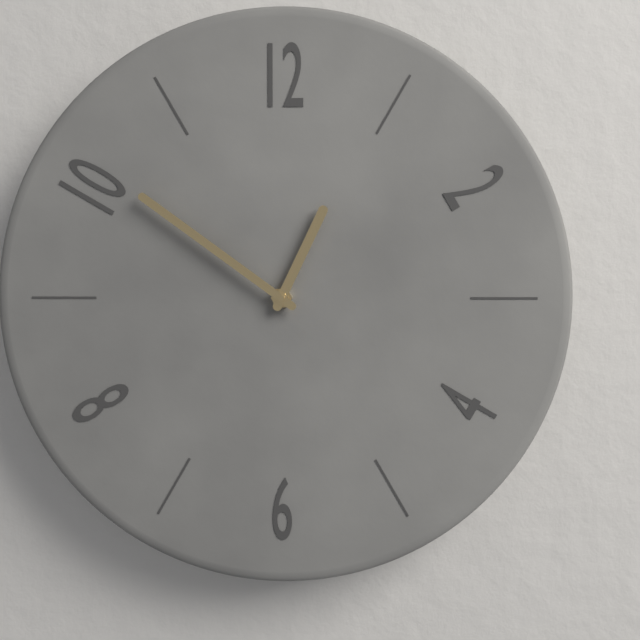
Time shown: **12:51**
